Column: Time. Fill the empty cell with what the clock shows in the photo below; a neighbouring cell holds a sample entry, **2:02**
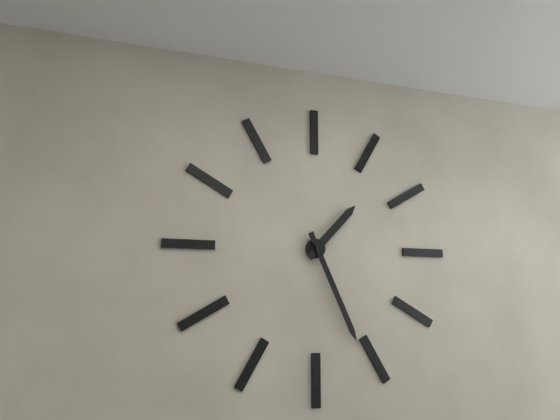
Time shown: **1:26**
